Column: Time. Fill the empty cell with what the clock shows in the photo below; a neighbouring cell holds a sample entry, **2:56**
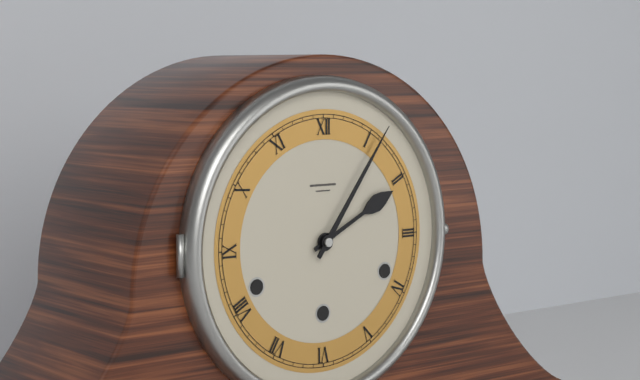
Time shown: **2:06**
